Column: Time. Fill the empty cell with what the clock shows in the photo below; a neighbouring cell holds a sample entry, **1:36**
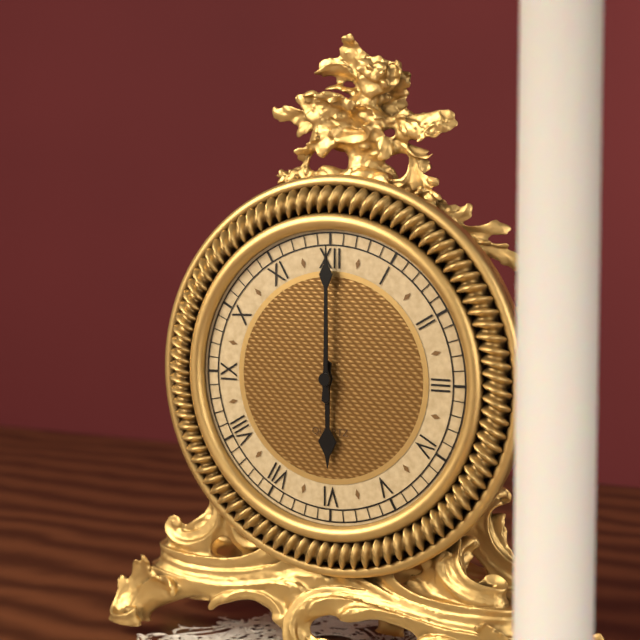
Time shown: **6:00**
